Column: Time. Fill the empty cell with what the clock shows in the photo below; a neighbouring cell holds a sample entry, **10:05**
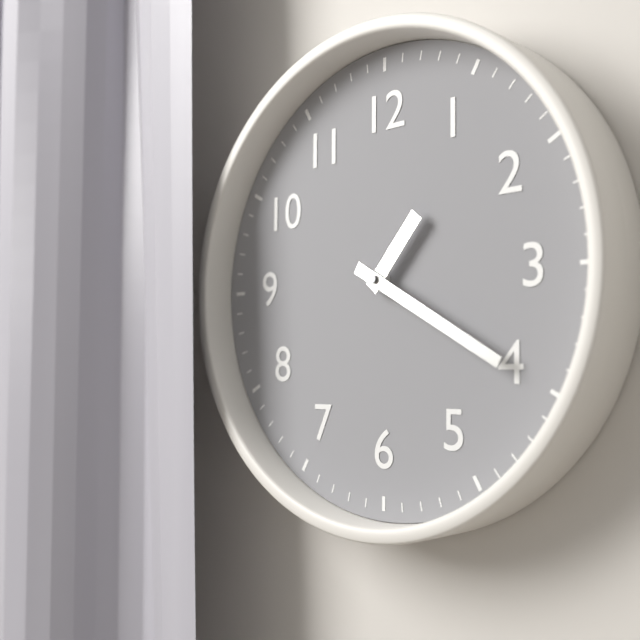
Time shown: **1:20**
